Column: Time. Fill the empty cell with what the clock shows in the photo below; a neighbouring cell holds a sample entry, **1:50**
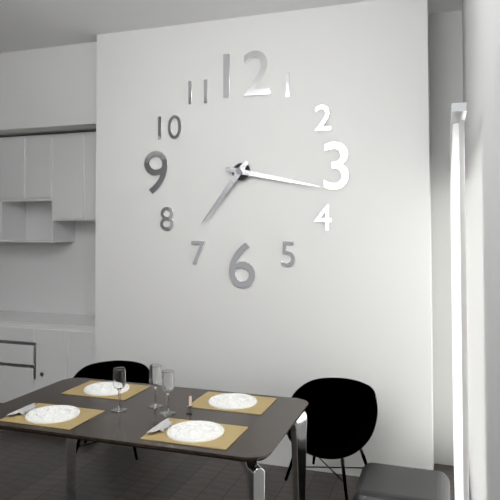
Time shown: **7:17**
